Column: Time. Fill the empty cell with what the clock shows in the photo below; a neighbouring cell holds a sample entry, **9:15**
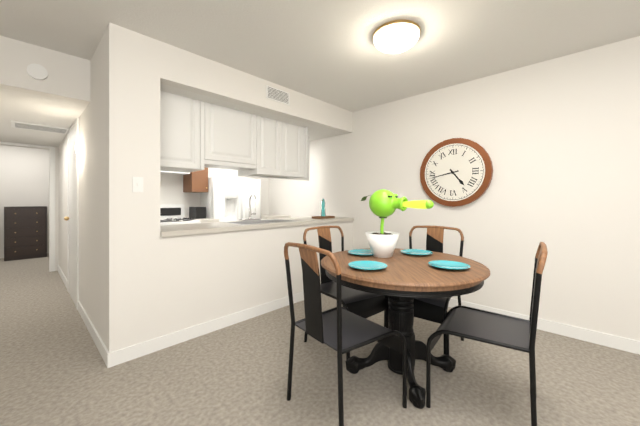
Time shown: **4:43**
